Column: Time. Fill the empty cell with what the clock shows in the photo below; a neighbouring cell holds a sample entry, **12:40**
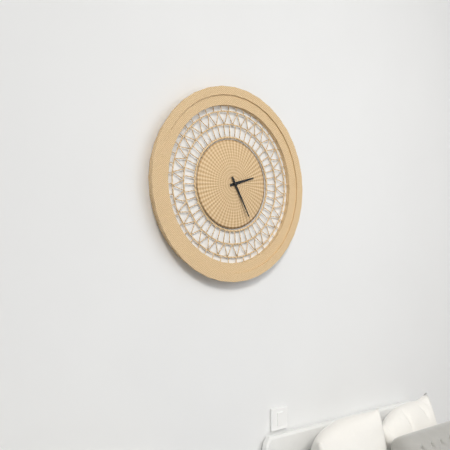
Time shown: **2:25**
